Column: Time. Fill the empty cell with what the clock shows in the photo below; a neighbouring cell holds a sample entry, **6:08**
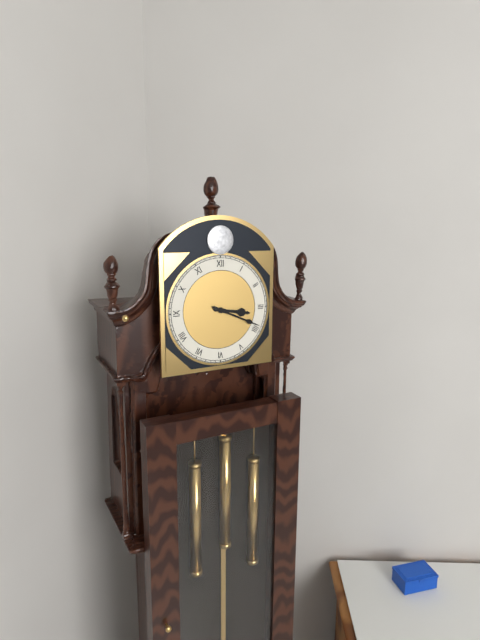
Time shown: **3:19**
